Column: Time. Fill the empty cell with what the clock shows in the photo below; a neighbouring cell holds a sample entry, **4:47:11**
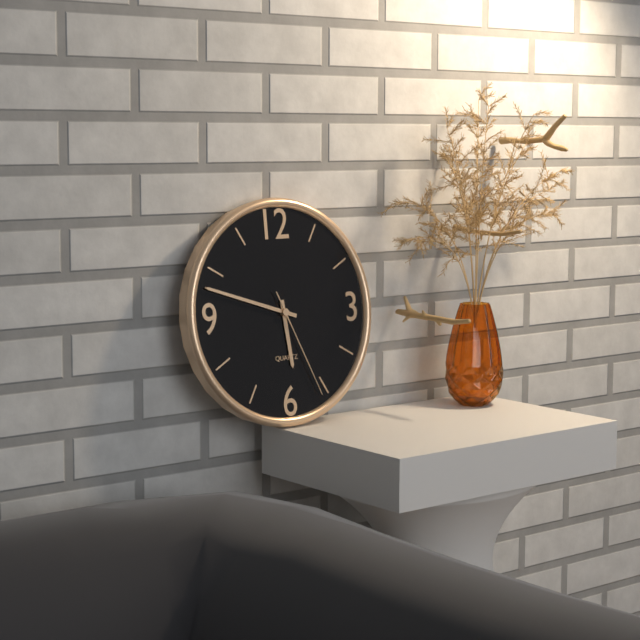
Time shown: **5:48:26**
